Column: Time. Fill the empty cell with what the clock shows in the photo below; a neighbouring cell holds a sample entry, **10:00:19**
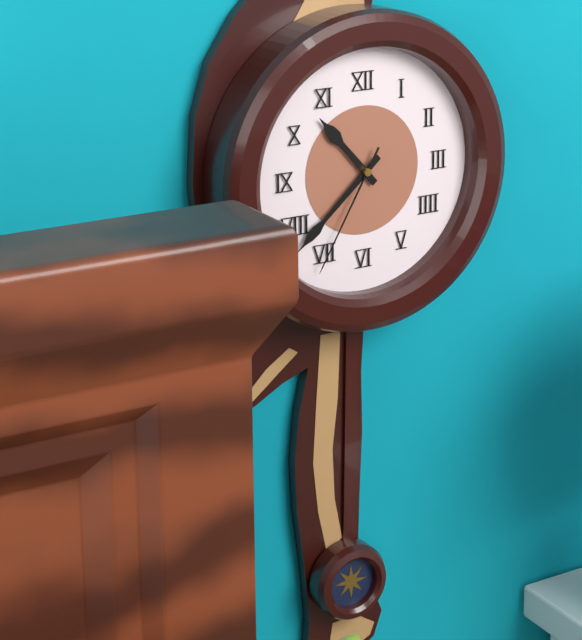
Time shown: **10:38:35**
